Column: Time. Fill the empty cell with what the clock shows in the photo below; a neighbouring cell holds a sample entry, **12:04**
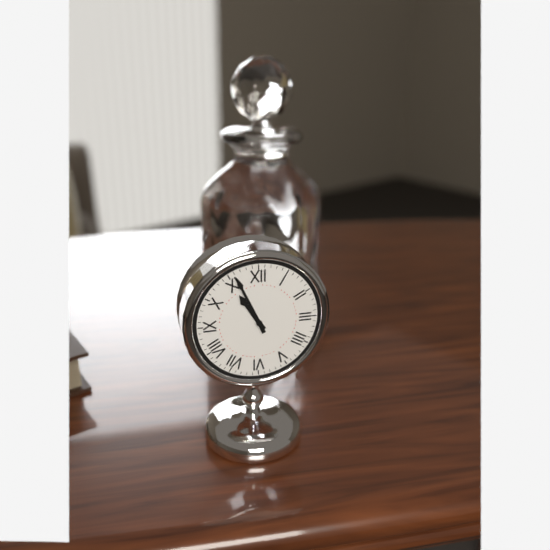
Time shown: **10:56**
